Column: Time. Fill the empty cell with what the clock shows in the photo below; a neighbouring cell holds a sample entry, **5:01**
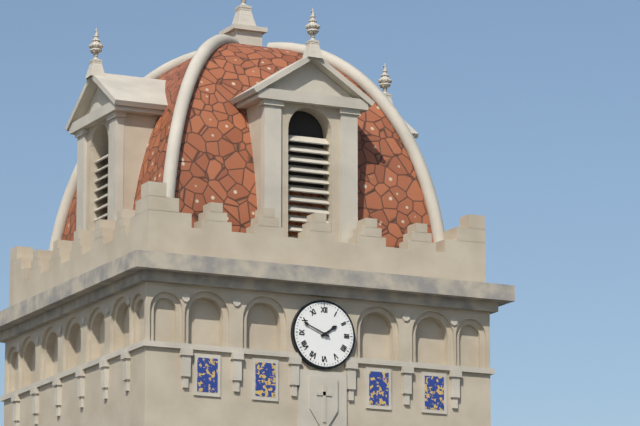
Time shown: **1:49**
